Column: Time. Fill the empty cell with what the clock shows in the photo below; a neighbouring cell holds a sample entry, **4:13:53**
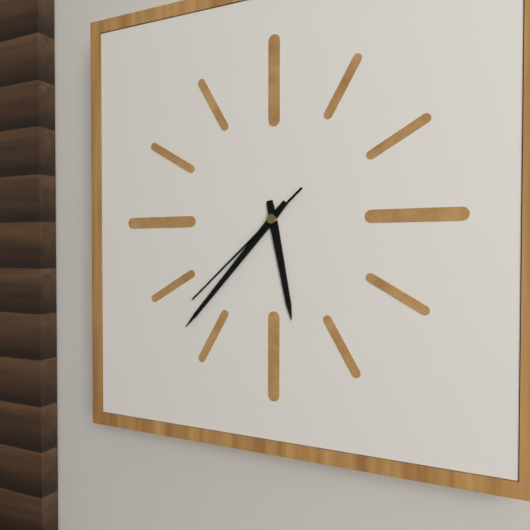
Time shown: **5:37:38**
